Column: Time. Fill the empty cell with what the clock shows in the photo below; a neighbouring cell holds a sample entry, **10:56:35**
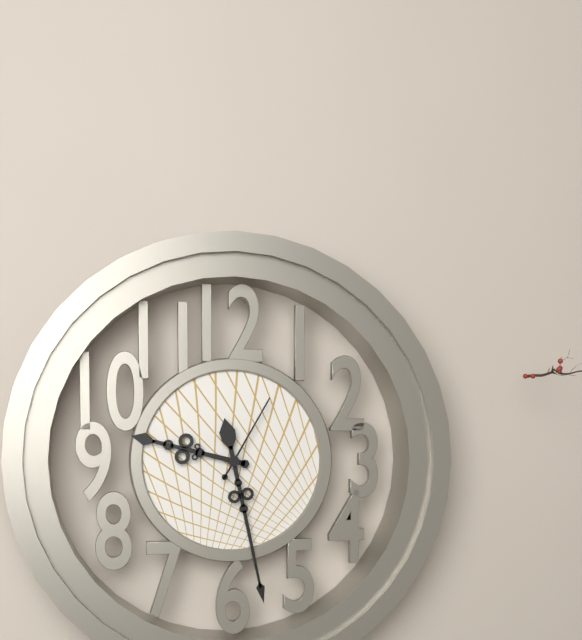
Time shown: **9:28:05**
